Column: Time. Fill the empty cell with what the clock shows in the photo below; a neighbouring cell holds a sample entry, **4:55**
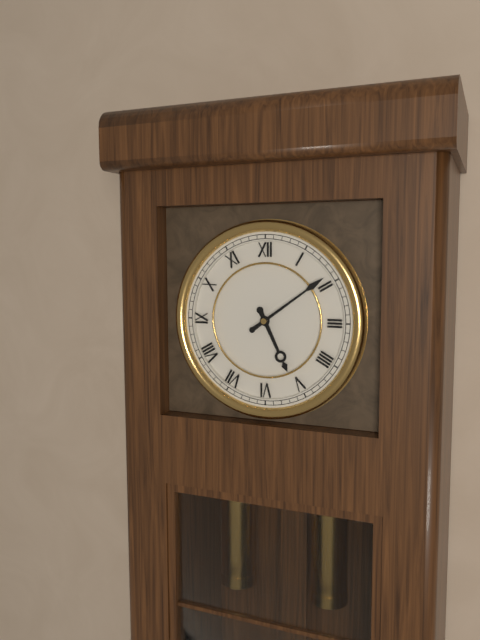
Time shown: **5:09**
